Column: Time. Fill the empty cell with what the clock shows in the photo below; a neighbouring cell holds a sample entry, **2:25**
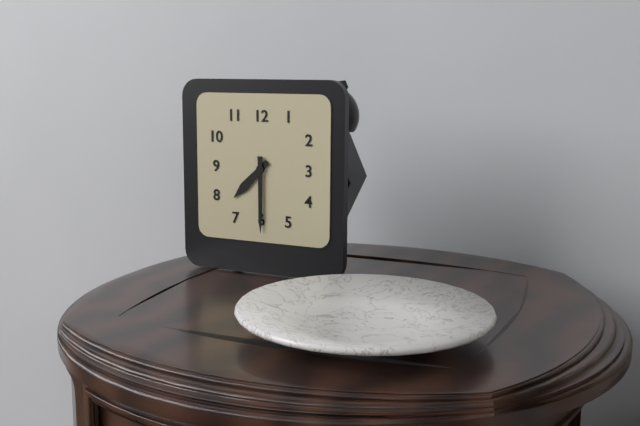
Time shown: **7:30**
